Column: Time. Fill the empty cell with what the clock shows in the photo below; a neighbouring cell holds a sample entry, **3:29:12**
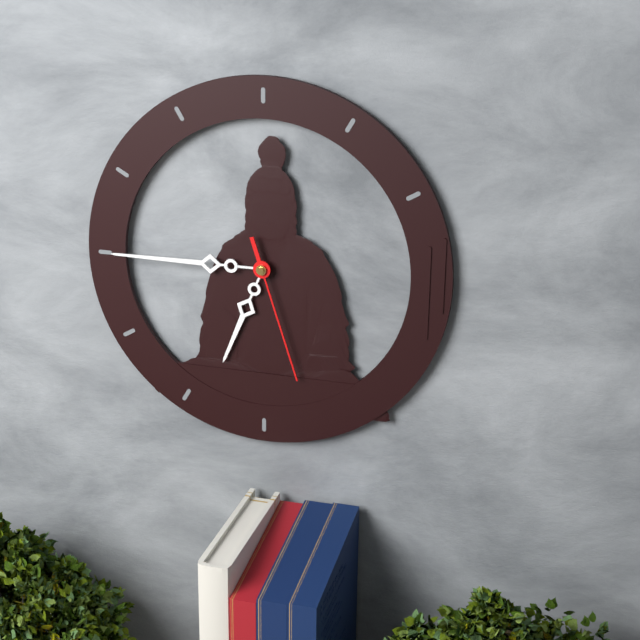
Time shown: **6:45:27**
